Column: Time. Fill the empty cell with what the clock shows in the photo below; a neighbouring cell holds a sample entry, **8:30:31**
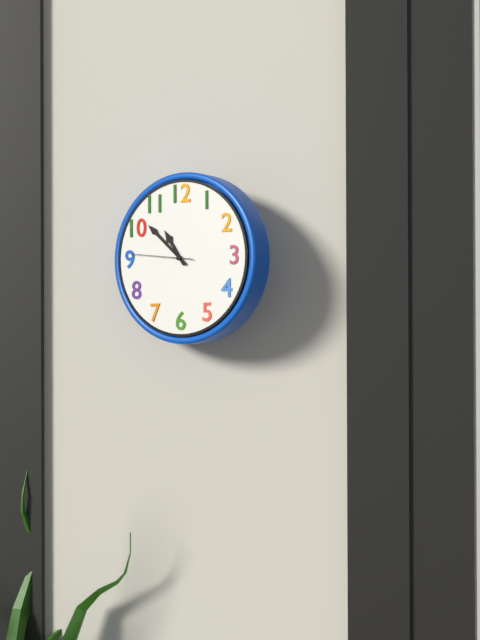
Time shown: **10:52:46**
